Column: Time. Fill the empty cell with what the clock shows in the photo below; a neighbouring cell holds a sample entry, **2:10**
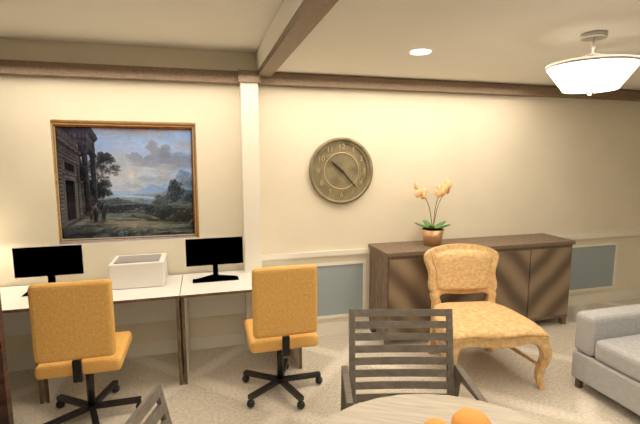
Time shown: **10:23**
